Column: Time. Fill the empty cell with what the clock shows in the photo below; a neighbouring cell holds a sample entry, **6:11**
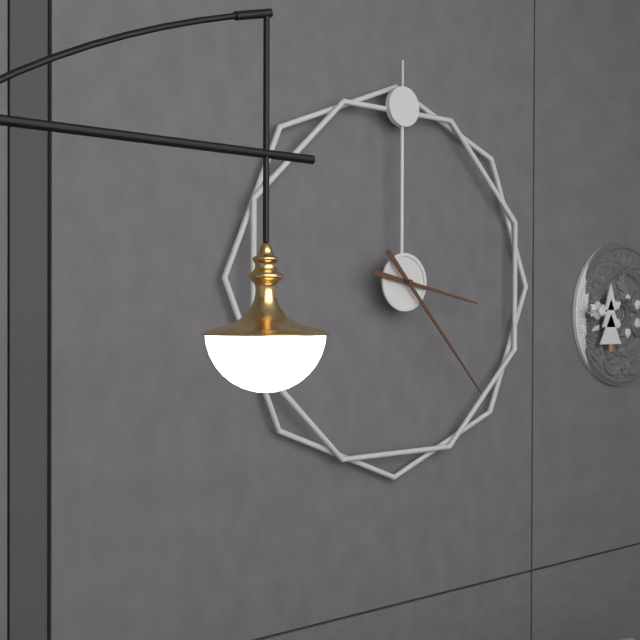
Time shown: **3:23**
